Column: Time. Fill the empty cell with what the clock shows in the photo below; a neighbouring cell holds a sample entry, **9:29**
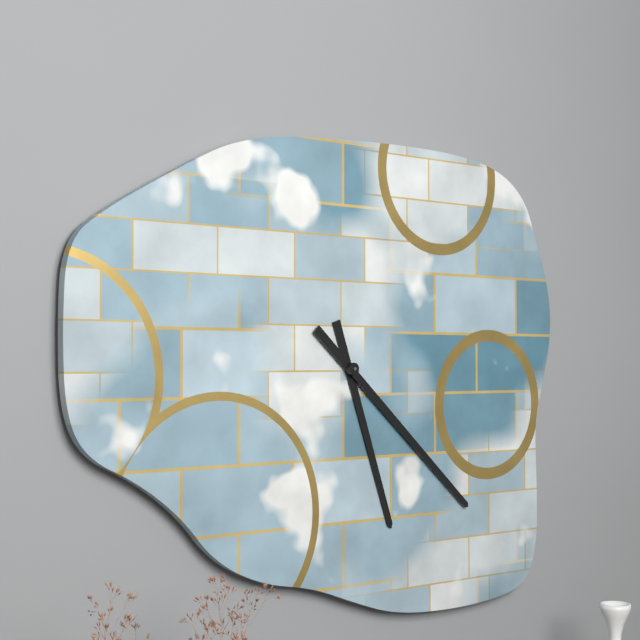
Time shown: **5:22**
